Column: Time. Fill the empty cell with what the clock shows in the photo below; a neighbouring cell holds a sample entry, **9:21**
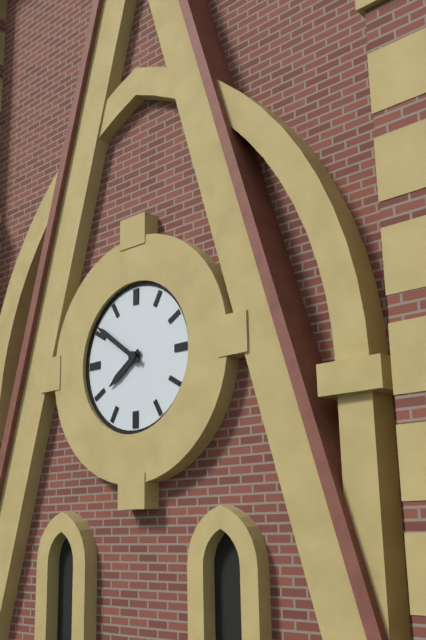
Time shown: **7:51**
